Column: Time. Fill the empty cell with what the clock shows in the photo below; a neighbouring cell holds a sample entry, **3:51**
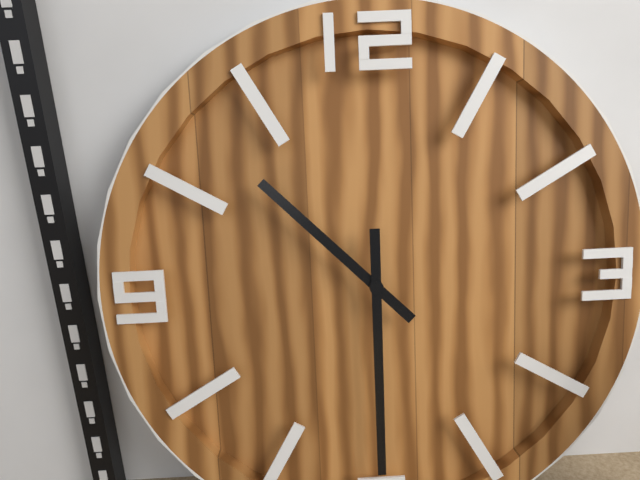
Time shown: **10:30**
